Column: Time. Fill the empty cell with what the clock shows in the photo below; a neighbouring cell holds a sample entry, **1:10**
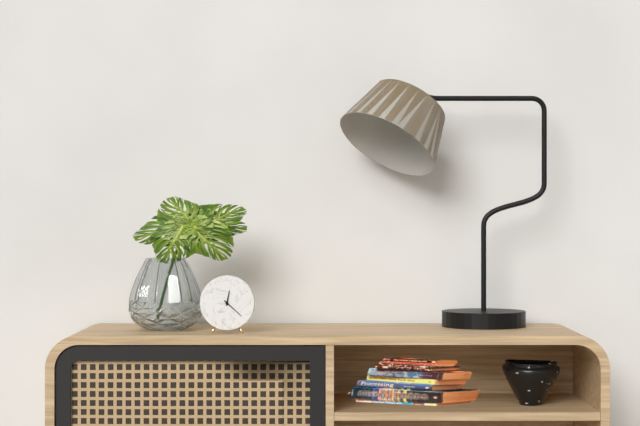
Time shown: **12:22**
